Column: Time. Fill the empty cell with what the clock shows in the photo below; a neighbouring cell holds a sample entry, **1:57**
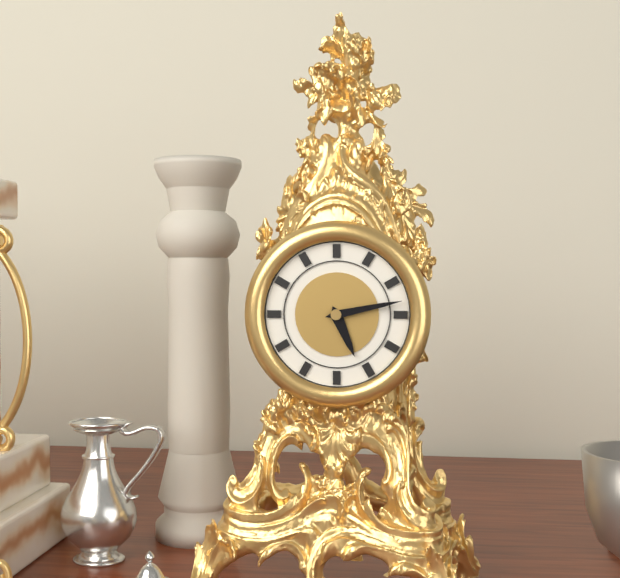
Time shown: **5:13**
